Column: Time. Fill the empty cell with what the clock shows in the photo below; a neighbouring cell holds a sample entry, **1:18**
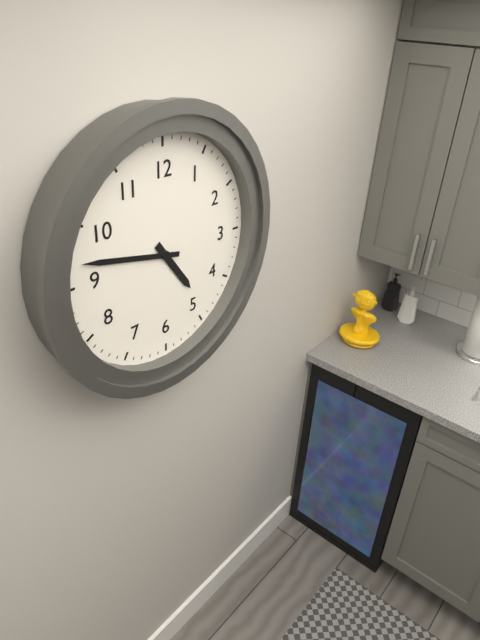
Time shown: **4:47**
